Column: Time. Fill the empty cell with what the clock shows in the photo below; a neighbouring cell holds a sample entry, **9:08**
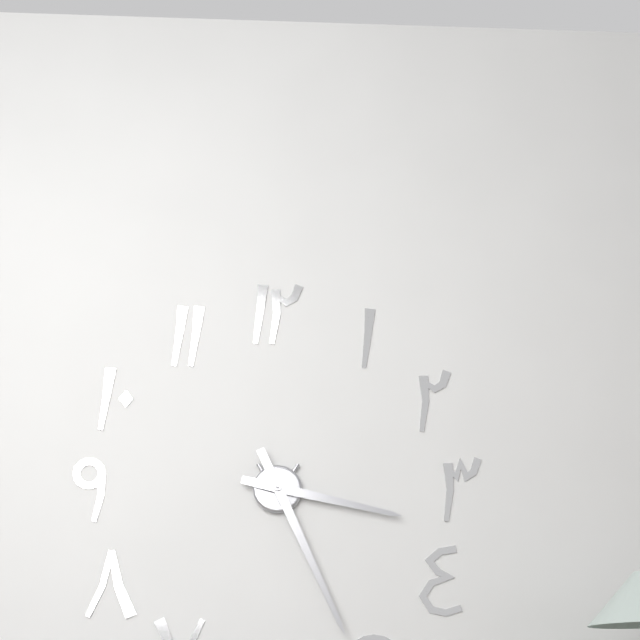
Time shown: **3:26**
